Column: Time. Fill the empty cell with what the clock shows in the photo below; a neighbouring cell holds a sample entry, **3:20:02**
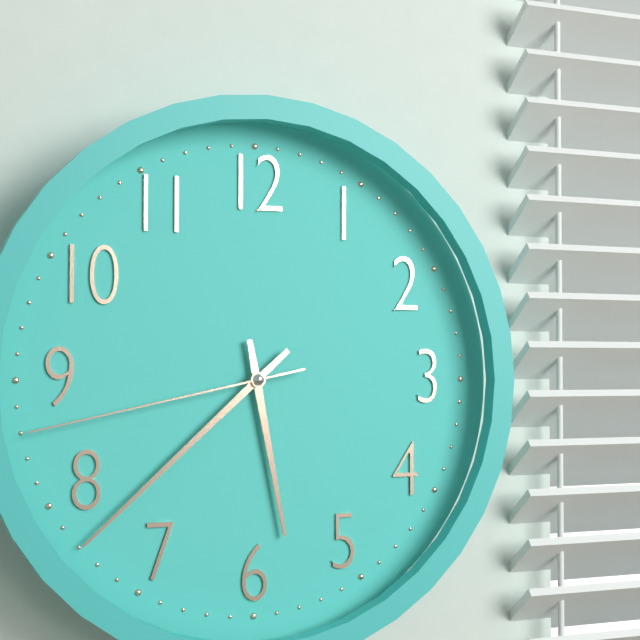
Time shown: **5:38:43**
